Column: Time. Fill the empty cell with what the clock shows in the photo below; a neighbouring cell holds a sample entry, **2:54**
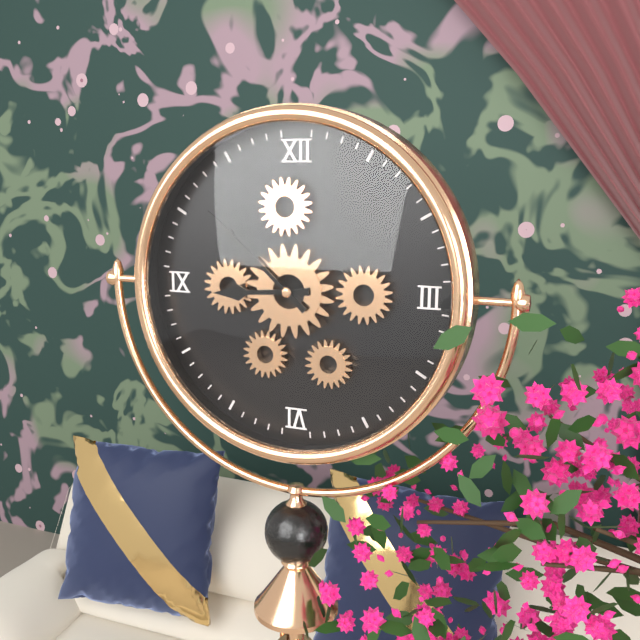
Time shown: **8:52**
